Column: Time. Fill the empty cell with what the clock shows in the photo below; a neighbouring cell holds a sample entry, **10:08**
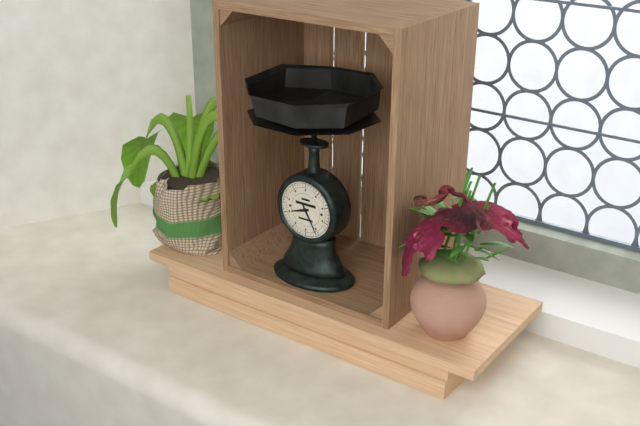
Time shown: **8:25**
